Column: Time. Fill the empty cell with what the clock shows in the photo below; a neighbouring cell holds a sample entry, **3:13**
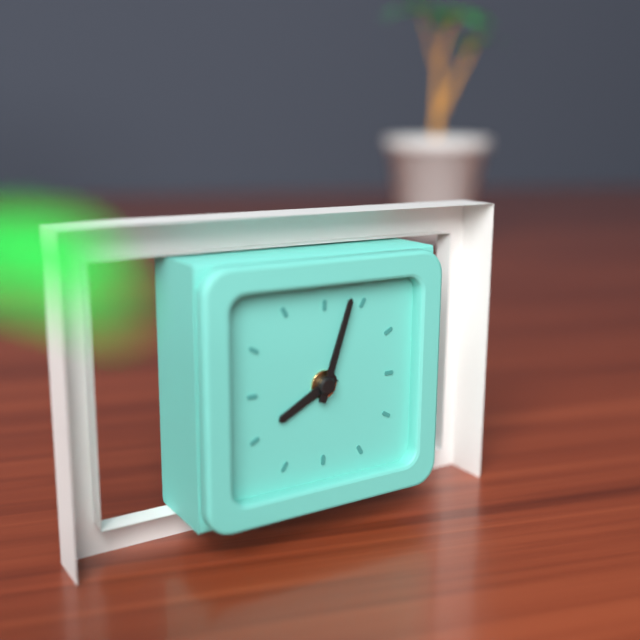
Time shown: **8:03**
